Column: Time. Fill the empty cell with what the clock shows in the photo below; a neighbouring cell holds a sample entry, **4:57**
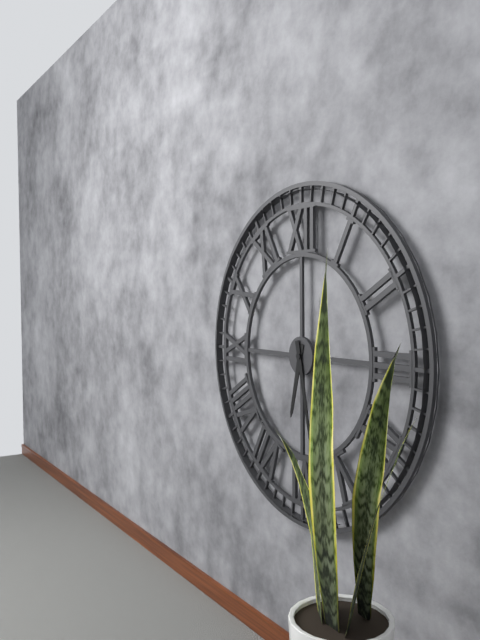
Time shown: **6:28**
